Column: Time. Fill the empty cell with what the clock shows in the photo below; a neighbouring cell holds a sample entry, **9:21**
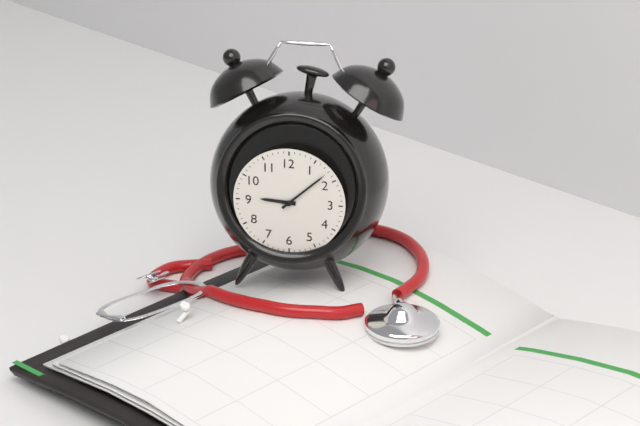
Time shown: **9:08**
